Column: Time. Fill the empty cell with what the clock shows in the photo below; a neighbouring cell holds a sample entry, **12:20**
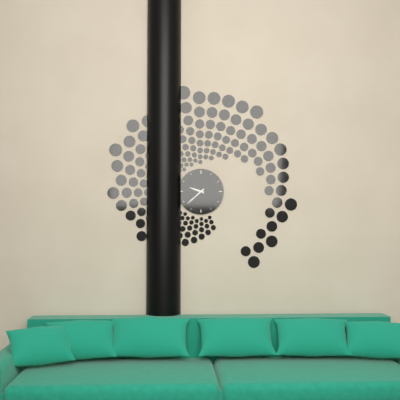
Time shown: **9:38**
